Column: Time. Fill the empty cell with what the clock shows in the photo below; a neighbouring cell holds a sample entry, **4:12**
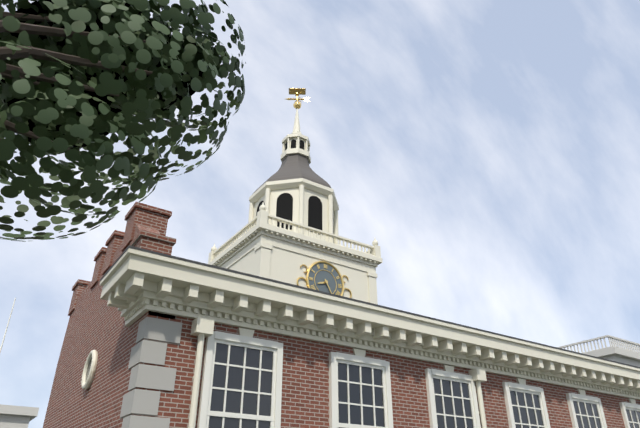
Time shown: **8:25**
